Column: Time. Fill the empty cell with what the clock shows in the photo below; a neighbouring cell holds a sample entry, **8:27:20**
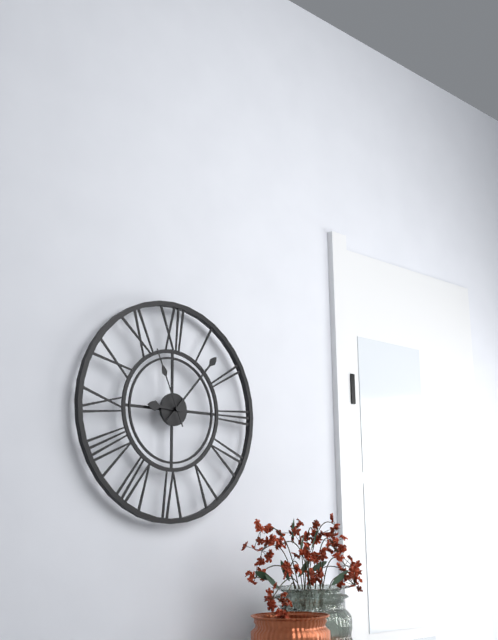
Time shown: **9:07:56**
